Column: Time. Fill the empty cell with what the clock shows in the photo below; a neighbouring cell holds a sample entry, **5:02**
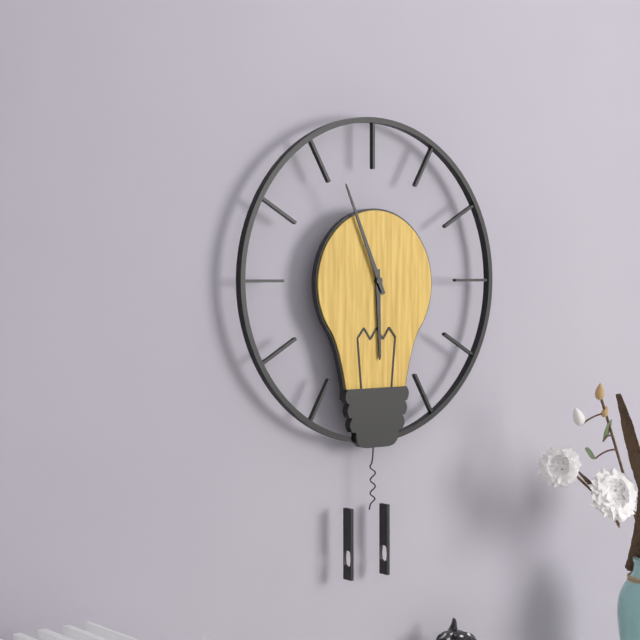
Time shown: **5:56**
